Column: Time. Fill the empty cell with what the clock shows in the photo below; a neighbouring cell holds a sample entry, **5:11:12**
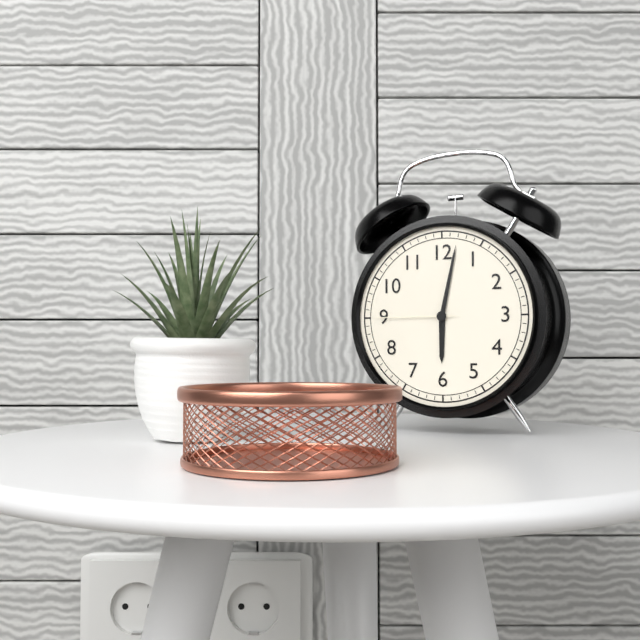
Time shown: **6:02:45**
